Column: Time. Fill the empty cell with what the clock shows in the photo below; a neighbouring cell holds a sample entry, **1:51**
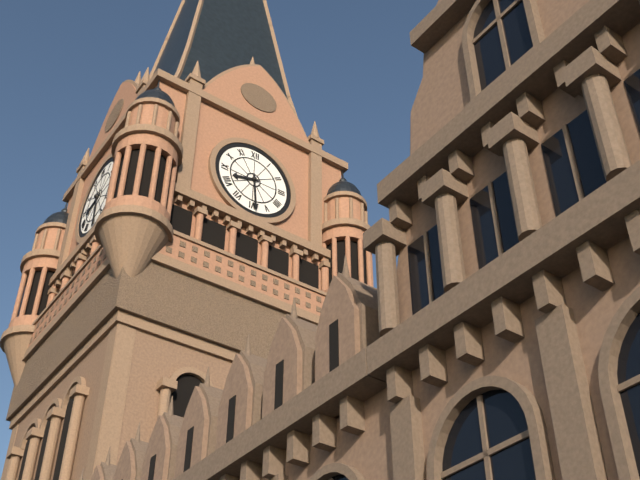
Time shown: **8:29**
